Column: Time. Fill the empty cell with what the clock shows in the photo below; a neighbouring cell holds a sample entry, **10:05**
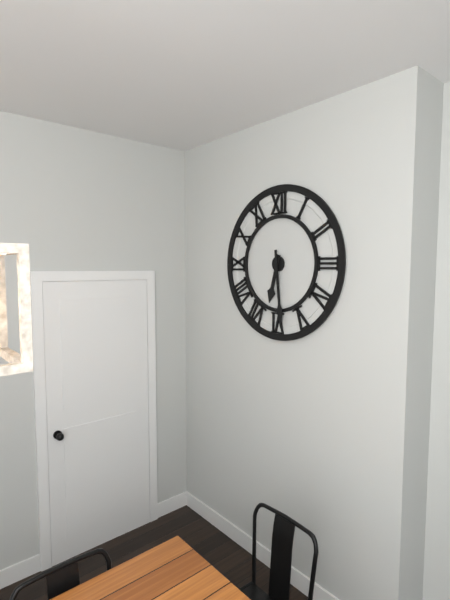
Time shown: **6:29**
